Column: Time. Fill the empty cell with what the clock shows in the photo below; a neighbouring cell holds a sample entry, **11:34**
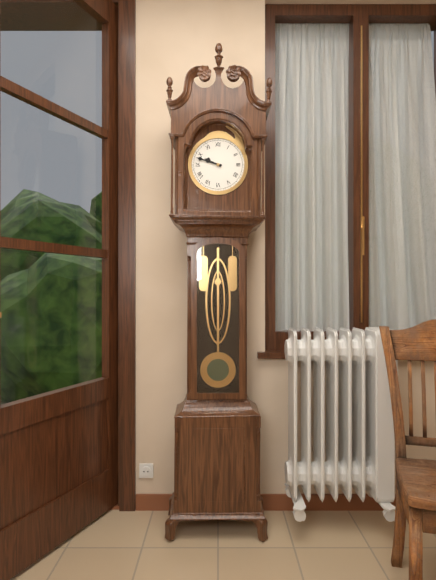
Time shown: **9:48**
